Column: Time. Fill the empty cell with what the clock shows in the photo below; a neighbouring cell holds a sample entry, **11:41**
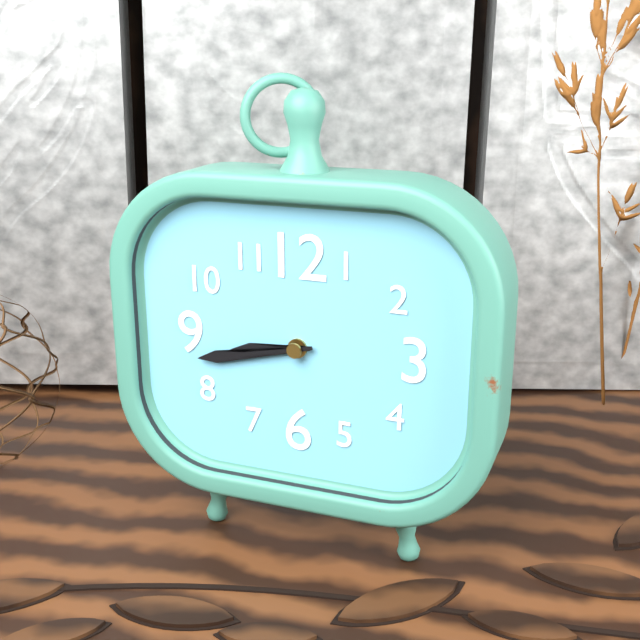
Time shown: **8:43**
